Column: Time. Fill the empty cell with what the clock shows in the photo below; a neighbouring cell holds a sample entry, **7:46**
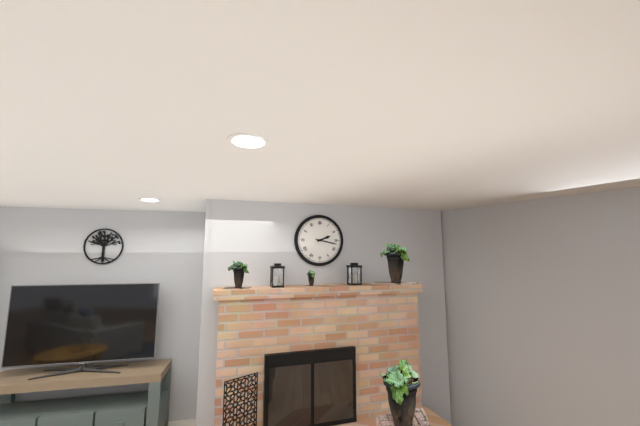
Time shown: **2:17**
